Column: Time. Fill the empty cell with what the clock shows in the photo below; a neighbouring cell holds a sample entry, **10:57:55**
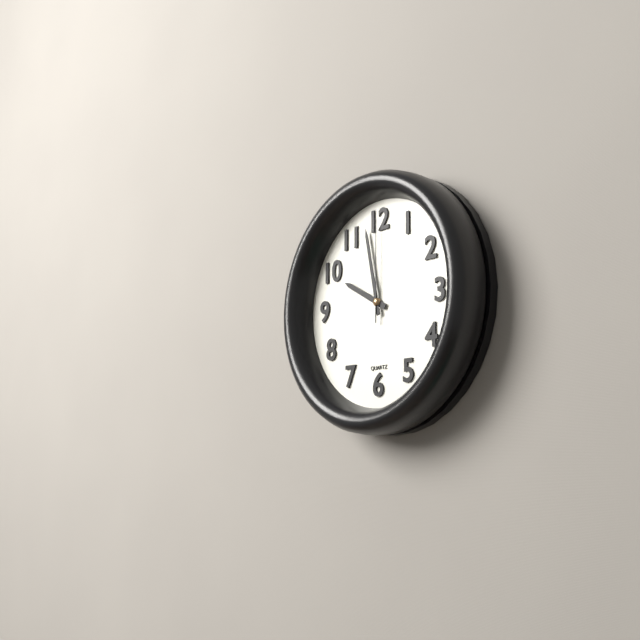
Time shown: **9:58:00**
